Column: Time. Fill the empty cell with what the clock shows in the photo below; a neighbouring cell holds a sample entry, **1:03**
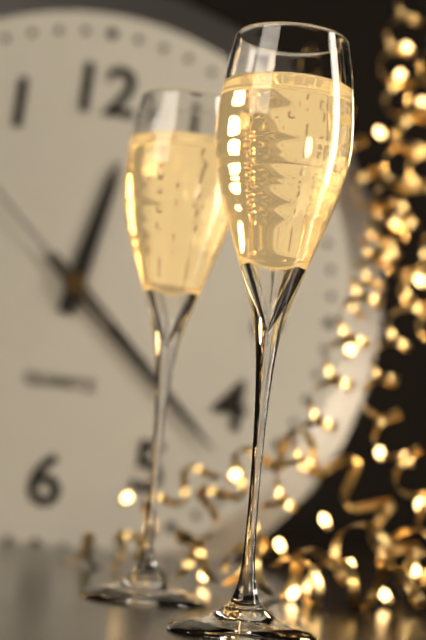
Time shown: **12:22**
